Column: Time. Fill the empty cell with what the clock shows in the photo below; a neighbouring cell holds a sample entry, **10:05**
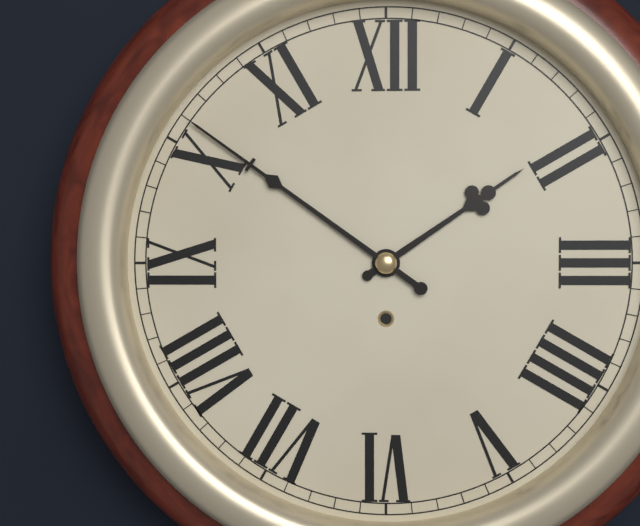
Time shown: **1:51**
